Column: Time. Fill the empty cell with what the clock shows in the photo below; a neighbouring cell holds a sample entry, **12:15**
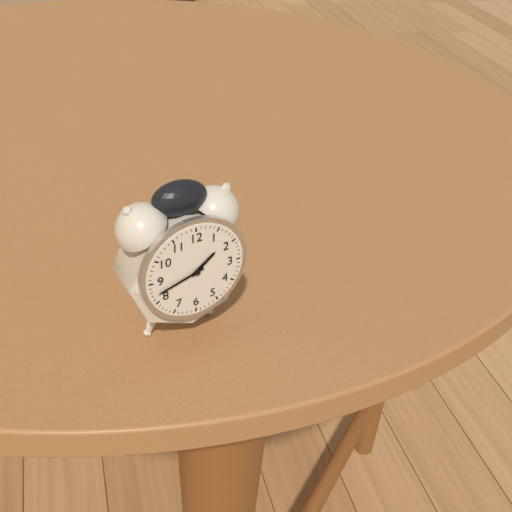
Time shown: **1:42**
